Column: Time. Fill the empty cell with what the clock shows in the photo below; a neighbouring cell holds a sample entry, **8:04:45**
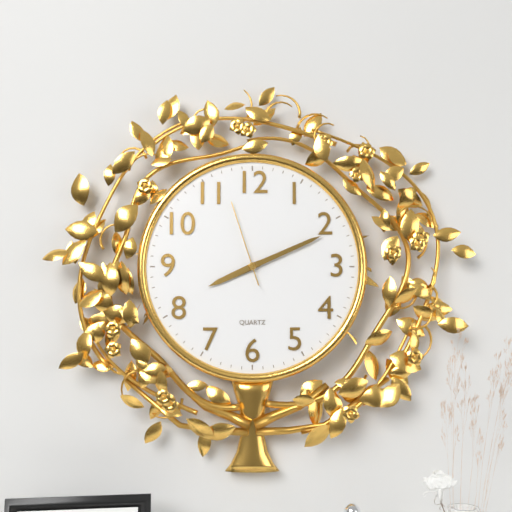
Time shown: **8:11:57**
